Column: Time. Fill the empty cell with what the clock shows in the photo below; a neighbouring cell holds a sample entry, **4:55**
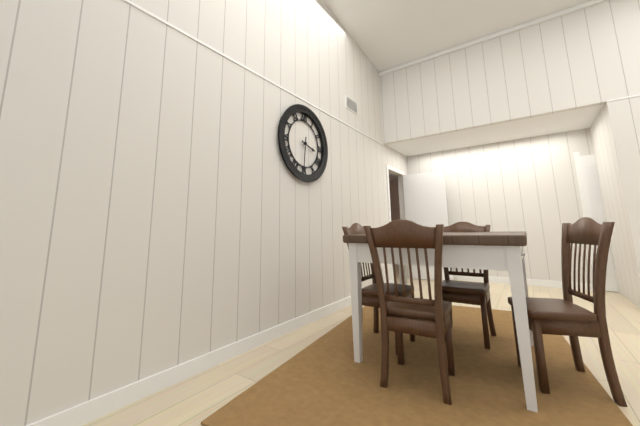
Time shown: **3:31**
